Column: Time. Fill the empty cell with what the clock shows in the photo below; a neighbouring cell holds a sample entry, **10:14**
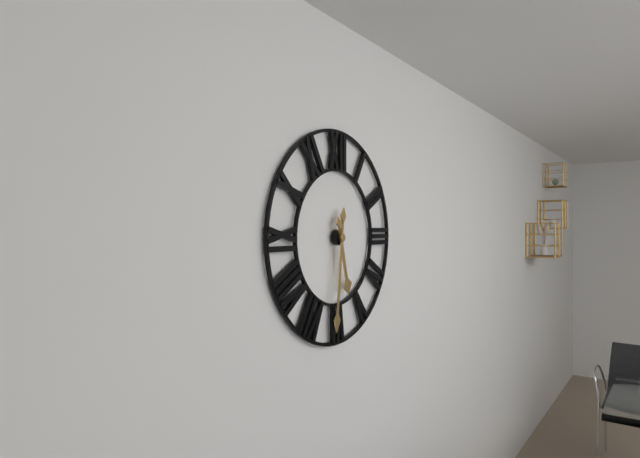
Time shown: **5:31**
